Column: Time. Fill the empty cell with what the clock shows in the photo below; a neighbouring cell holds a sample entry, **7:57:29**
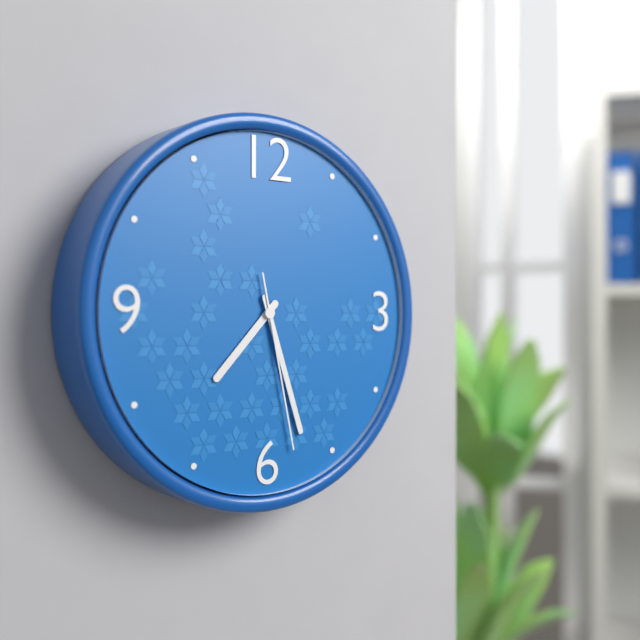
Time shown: **7:27:28**
